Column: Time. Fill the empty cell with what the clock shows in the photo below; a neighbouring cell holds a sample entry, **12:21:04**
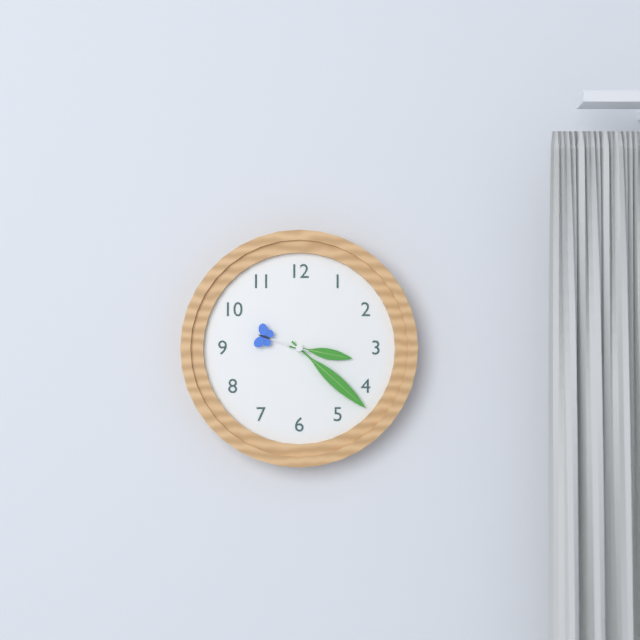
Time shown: **3:22:48**
